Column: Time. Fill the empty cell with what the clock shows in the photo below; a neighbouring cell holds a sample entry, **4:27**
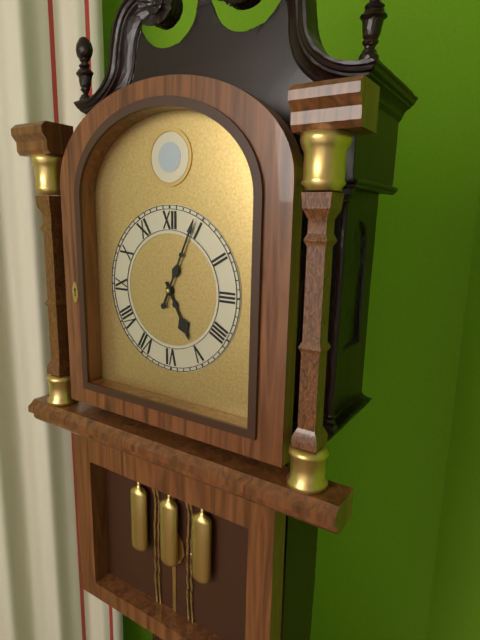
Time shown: **5:04**
